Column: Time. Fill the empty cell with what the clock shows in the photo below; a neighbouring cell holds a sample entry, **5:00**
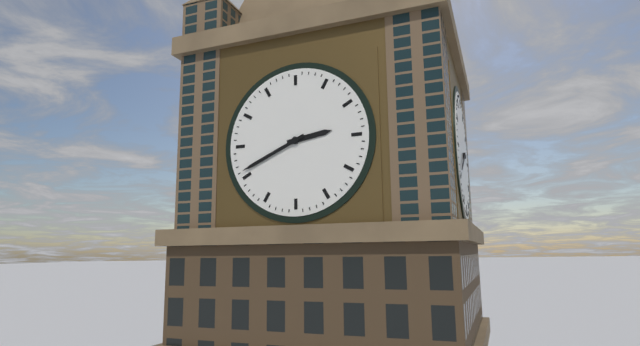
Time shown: **2:41**
